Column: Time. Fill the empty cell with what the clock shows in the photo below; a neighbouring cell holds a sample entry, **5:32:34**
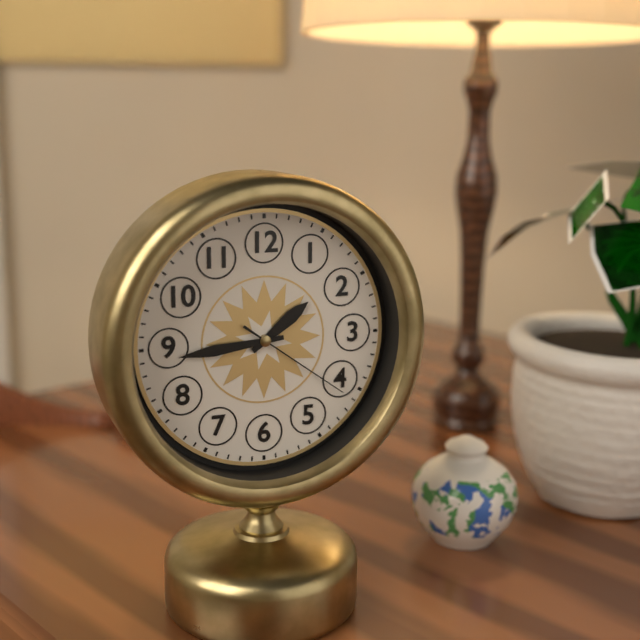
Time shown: **1:44:21**
